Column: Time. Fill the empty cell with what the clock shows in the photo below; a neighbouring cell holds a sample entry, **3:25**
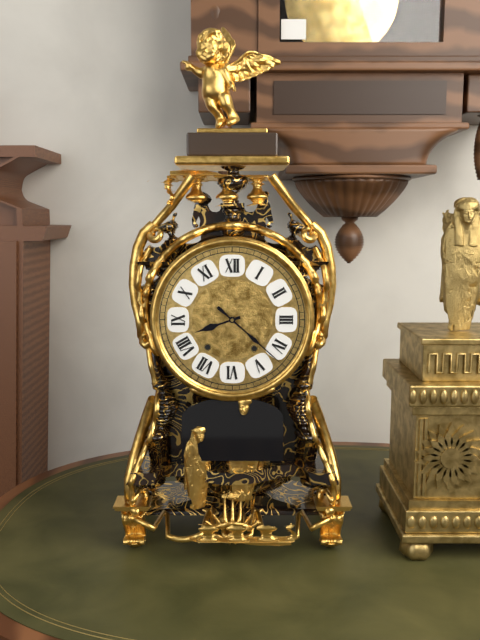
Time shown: **8:22**
